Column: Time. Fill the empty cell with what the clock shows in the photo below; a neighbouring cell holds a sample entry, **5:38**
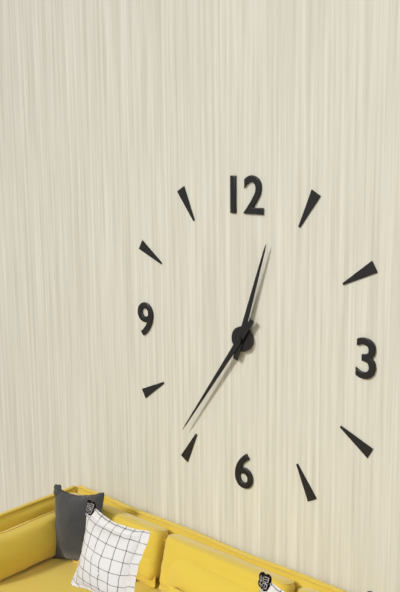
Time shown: **12:36**
